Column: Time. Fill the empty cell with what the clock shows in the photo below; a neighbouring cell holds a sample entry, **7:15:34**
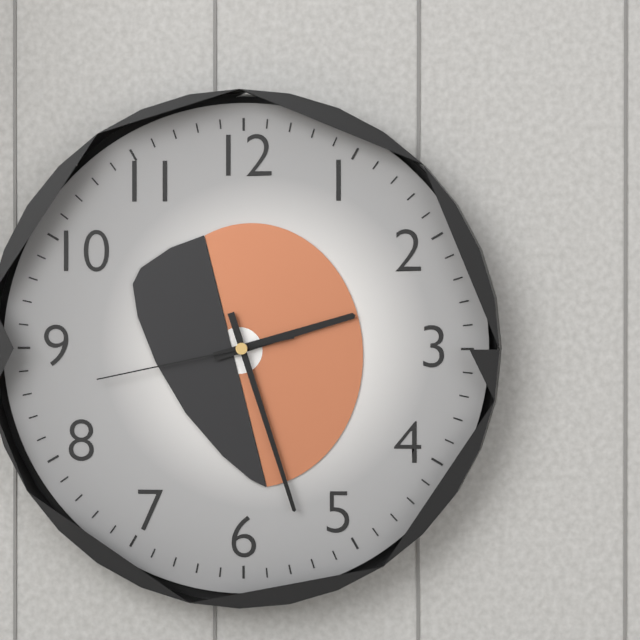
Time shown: **2:27:43**
